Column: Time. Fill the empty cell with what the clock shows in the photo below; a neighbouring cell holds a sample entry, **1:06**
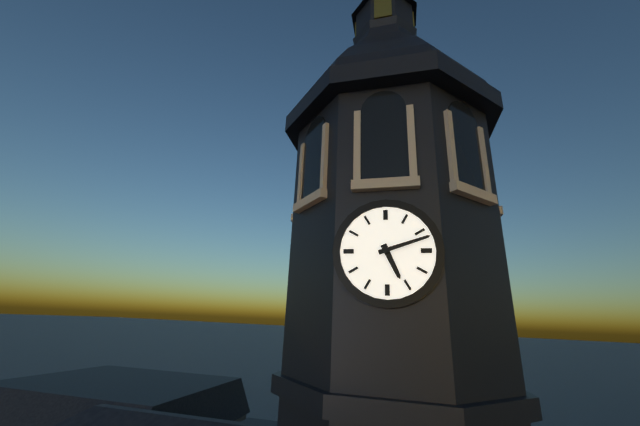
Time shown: **5:12**
